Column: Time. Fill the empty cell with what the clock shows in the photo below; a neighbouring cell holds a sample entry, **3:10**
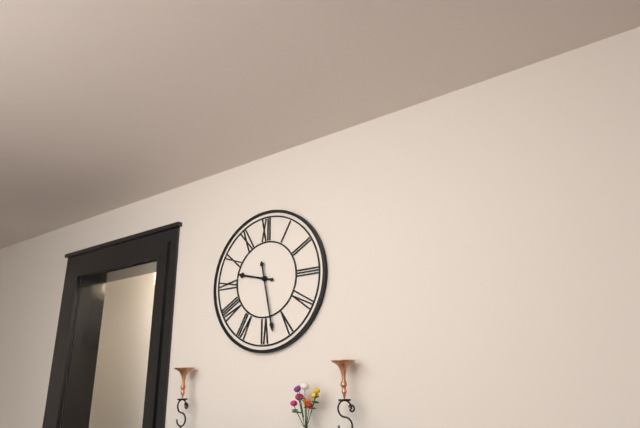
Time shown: **9:28**
